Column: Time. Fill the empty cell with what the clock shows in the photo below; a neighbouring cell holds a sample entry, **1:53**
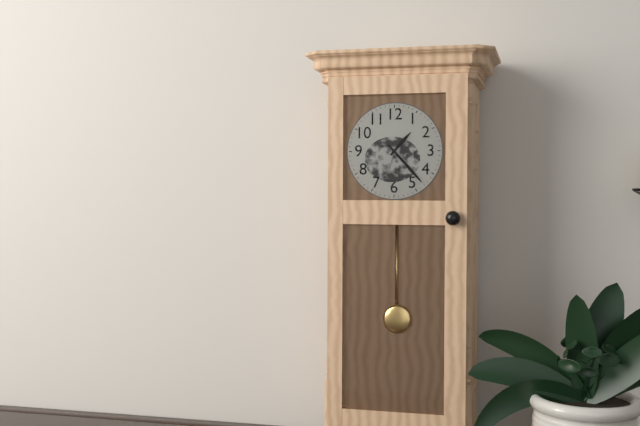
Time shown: **1:23**
